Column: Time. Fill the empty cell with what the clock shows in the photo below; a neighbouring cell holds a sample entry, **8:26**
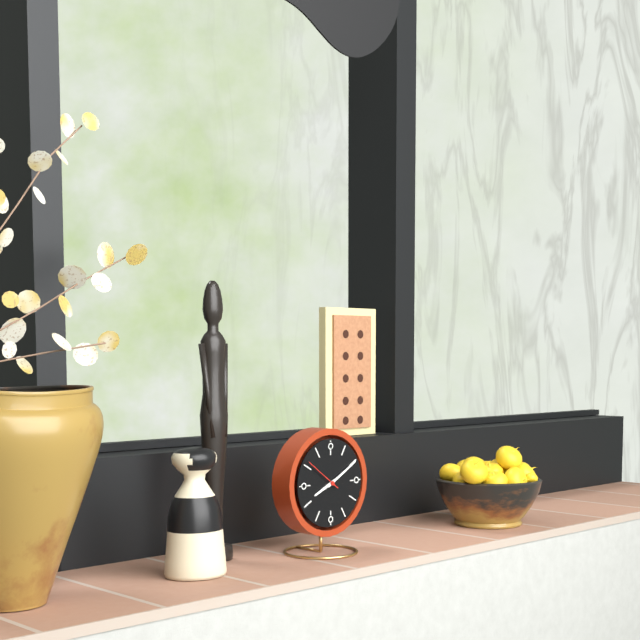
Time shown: **8:10**
